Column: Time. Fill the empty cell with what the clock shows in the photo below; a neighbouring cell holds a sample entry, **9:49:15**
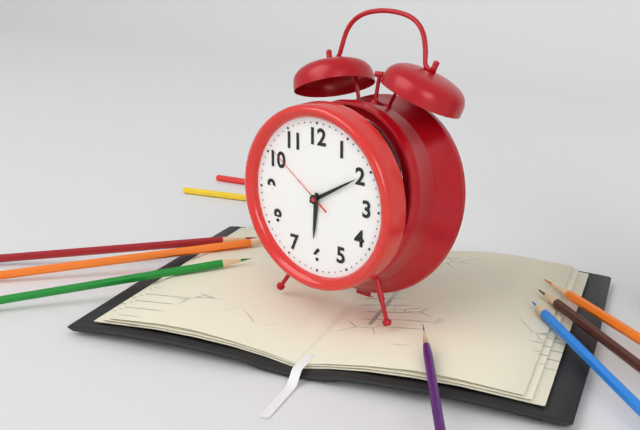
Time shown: **6:10:51**
